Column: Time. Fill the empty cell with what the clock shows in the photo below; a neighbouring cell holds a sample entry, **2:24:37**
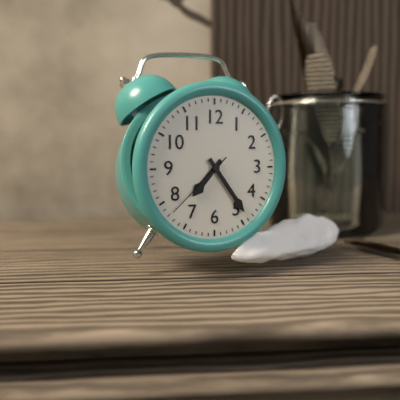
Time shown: **7:24:38**
